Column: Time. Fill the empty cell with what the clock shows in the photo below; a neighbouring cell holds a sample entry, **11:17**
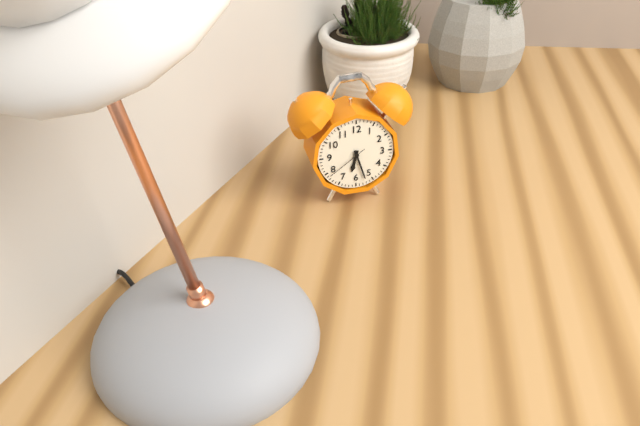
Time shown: **6:27**
